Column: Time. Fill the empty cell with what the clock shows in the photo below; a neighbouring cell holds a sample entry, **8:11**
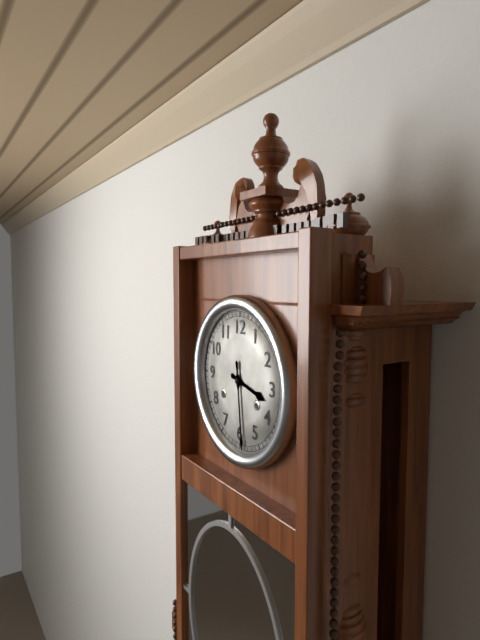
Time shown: **3:29**
